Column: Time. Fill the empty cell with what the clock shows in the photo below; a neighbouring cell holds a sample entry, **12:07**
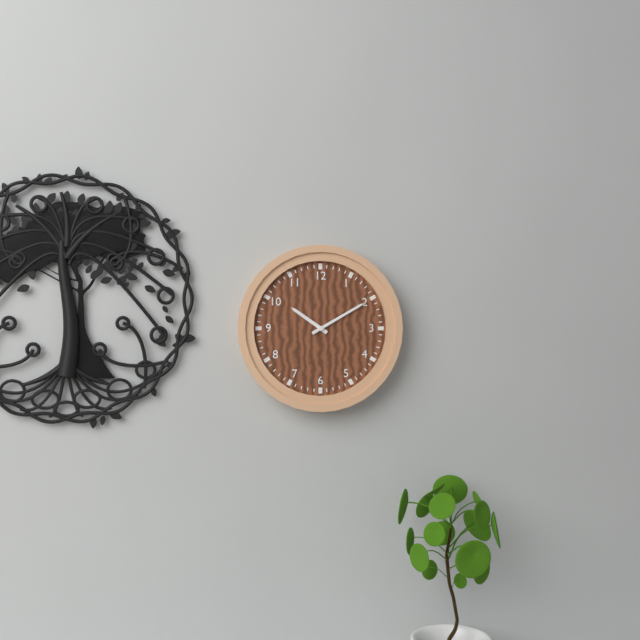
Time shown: **10:10**
